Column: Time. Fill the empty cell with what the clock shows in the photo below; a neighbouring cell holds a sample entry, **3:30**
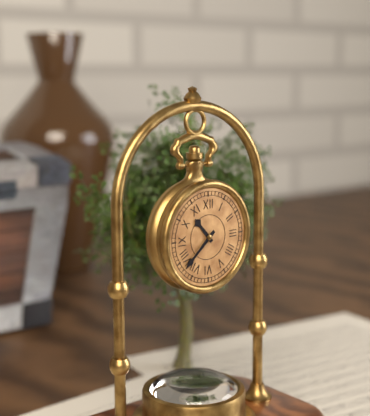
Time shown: **10:38**
